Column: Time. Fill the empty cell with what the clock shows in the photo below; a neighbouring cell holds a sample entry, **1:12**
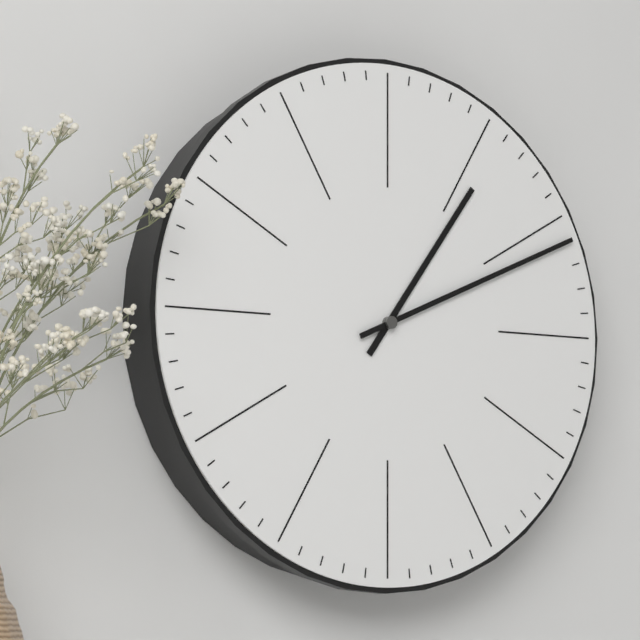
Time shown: **1:11**
